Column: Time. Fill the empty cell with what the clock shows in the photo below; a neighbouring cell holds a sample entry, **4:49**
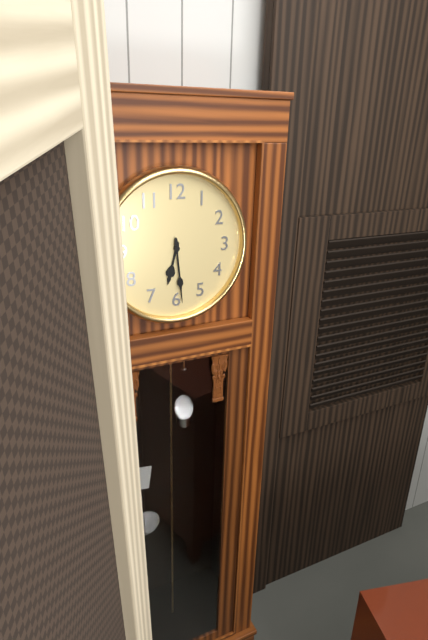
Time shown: **6:29**
